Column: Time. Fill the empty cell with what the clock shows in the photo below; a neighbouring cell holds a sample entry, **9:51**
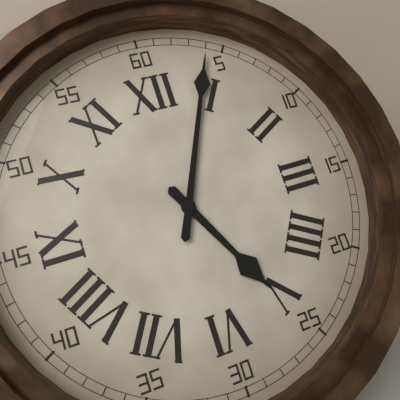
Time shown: **5:04**
